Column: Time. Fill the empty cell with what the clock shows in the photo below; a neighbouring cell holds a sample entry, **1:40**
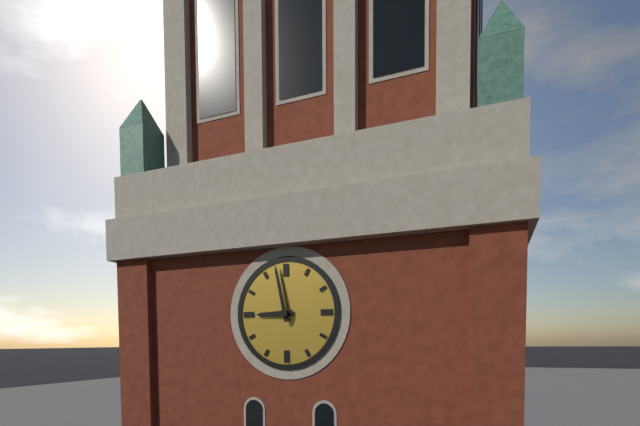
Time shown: **8:58**
